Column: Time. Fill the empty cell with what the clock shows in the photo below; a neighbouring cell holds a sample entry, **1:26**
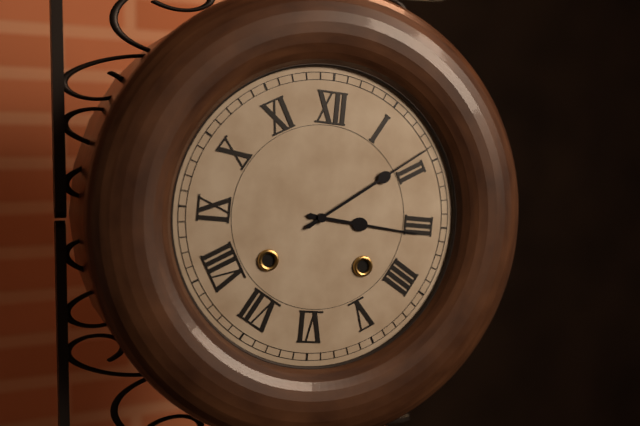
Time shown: **3:09**
